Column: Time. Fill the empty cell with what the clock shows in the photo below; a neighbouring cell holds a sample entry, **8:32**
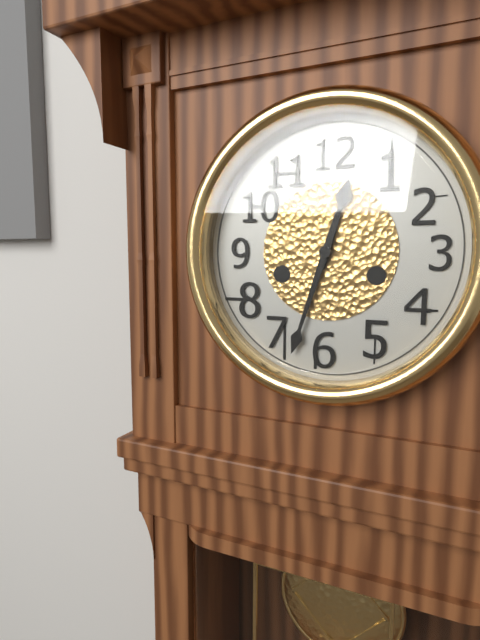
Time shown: **12:33**
